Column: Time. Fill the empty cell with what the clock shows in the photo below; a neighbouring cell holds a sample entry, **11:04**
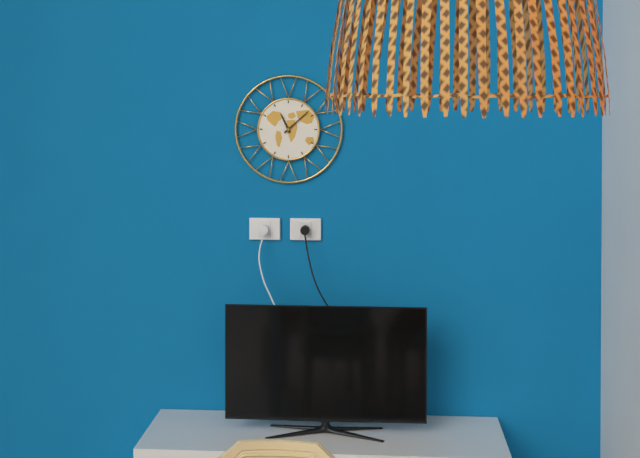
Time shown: **11:08**
